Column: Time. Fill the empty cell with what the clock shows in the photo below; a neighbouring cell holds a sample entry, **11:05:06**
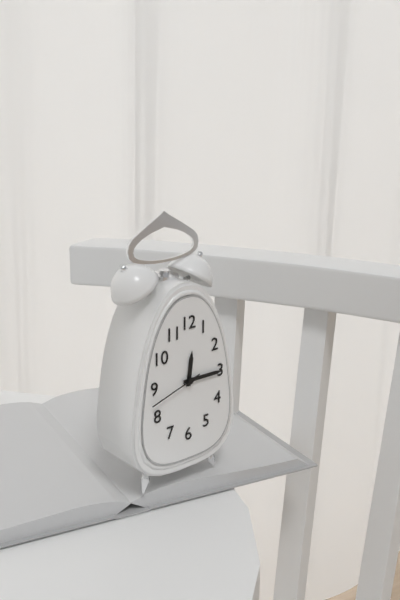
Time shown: **12:15:42**
